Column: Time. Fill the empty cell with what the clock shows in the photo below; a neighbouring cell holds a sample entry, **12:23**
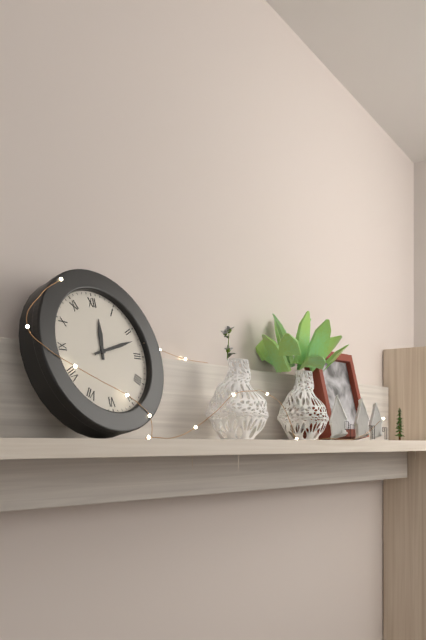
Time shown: **12:12**
